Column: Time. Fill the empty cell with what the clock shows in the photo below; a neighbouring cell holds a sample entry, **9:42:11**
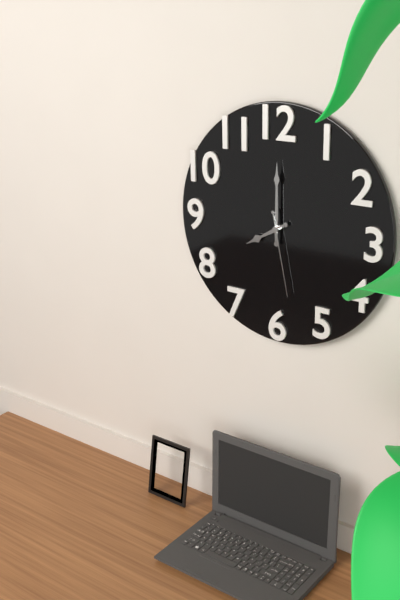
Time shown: **8:00:28**
